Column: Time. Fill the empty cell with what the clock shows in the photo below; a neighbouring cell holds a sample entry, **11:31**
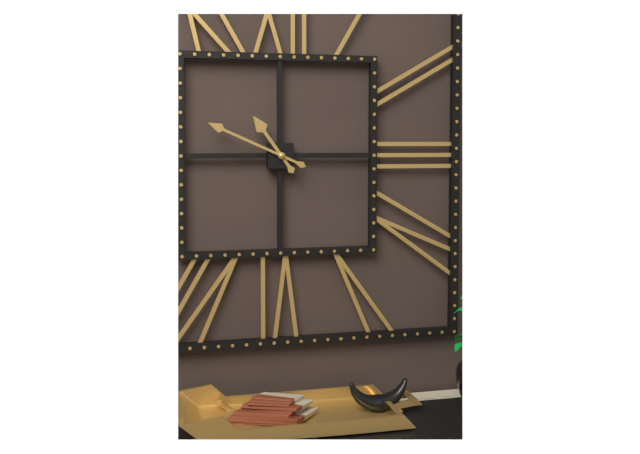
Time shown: **10:49**
